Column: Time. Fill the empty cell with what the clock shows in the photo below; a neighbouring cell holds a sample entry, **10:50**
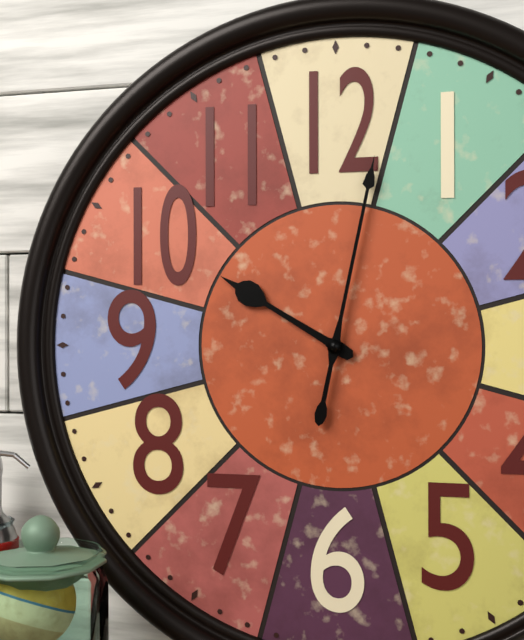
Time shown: **10:02**
